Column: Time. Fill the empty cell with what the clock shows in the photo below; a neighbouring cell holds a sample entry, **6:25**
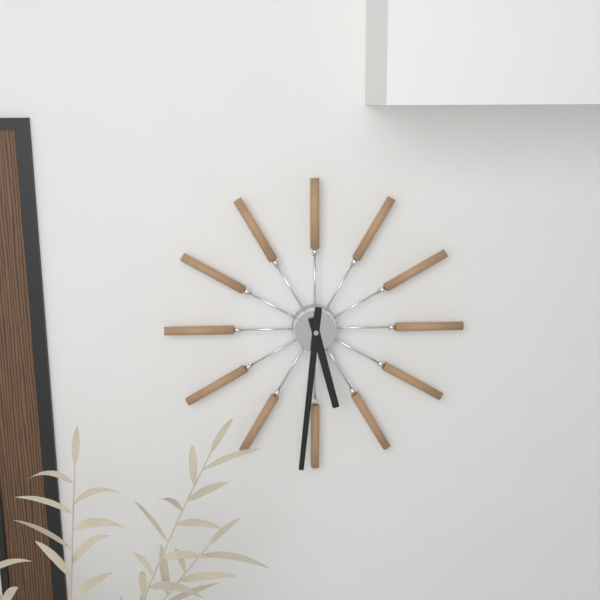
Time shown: **5:31**
